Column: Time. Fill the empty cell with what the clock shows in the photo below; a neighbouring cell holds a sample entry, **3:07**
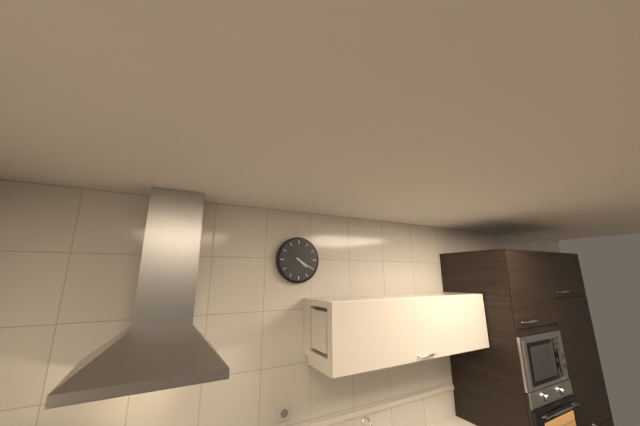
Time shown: **4:20**
